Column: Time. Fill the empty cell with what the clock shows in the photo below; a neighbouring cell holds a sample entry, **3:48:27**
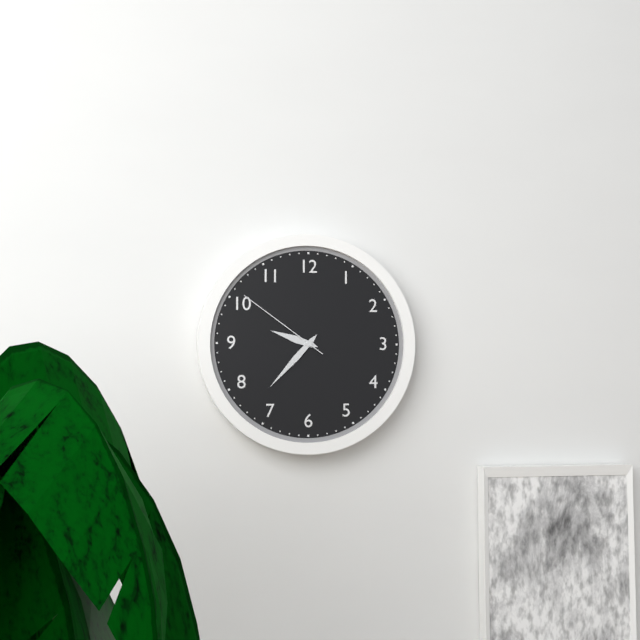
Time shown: **9:37:51**
